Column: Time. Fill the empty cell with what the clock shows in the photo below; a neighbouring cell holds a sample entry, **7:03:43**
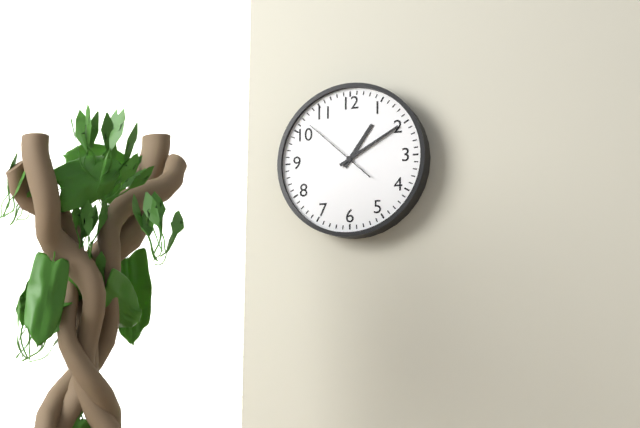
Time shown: **1:10:52**
